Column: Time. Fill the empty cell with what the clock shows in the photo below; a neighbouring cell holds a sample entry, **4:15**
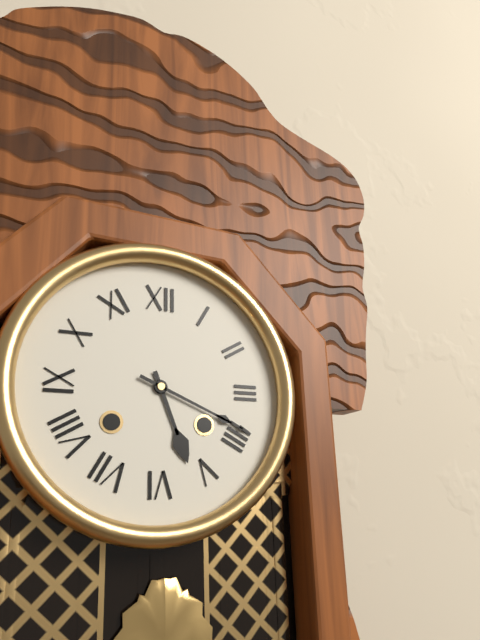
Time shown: **5:19**
